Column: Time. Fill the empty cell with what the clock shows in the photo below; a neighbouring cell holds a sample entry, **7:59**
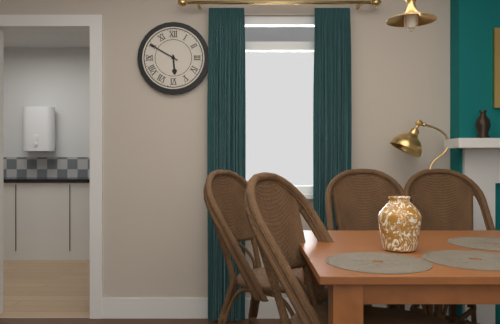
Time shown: **5:50**
